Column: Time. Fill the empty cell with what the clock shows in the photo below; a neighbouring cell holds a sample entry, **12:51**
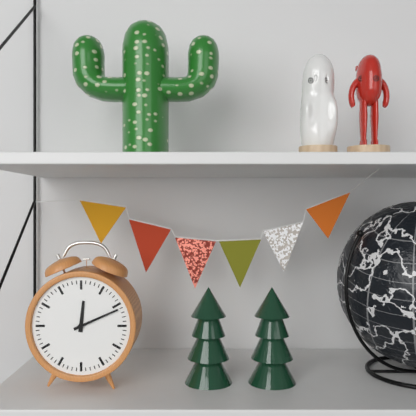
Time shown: **12:11**
